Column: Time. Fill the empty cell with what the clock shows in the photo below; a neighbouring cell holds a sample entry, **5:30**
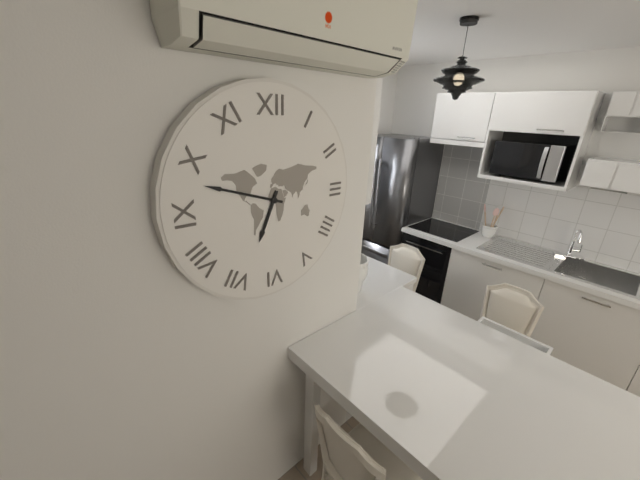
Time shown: **6:48**
